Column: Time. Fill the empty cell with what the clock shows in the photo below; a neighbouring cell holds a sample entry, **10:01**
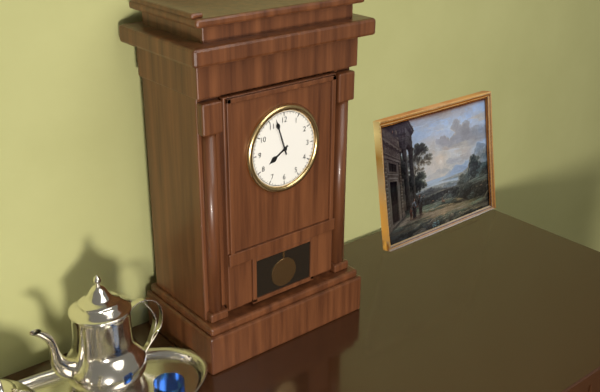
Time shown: **7:57**
